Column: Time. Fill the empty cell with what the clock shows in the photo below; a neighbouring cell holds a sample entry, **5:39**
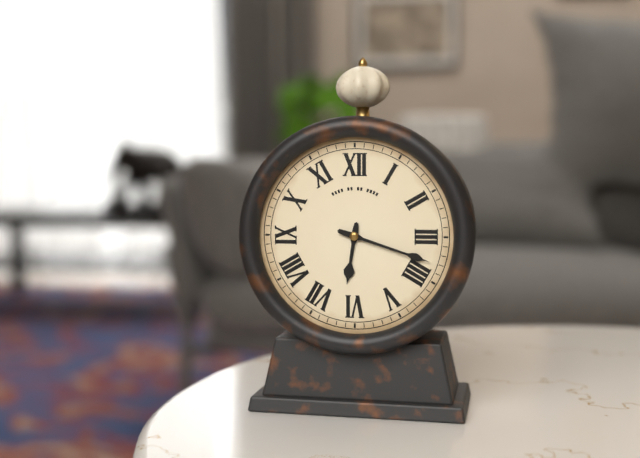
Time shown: **6:18**
